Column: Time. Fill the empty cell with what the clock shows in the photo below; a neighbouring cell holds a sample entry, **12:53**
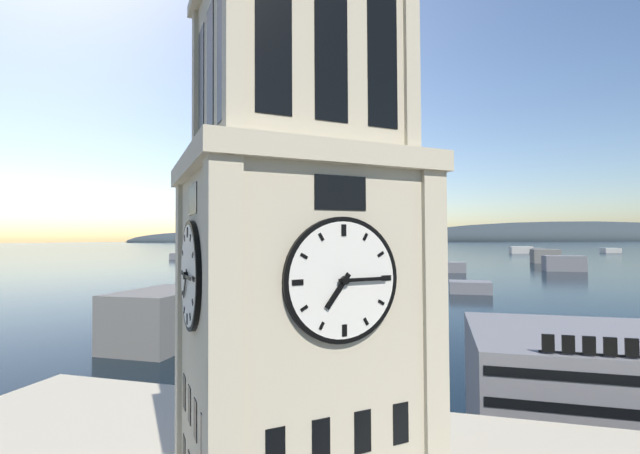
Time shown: **7:15**
